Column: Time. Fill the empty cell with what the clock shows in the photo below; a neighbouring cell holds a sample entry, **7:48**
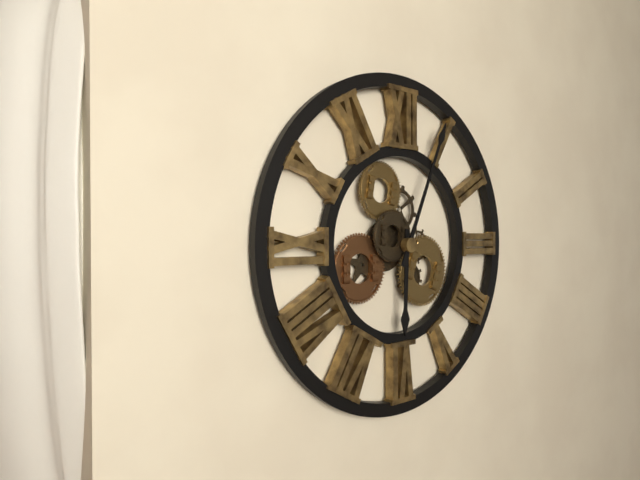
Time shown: **6:04**
